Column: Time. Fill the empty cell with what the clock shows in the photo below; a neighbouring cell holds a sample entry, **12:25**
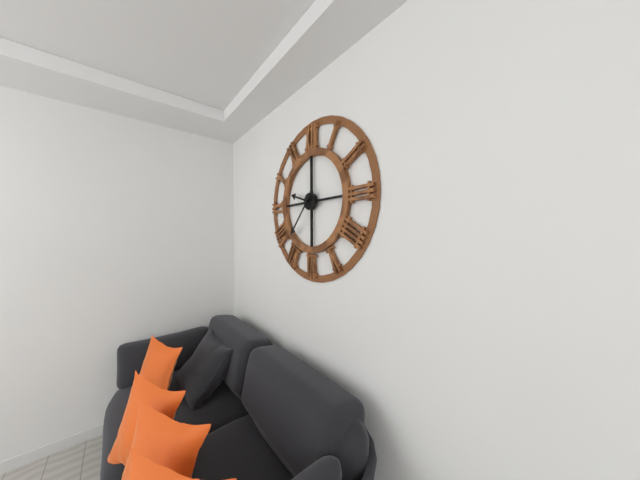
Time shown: **9:37**
